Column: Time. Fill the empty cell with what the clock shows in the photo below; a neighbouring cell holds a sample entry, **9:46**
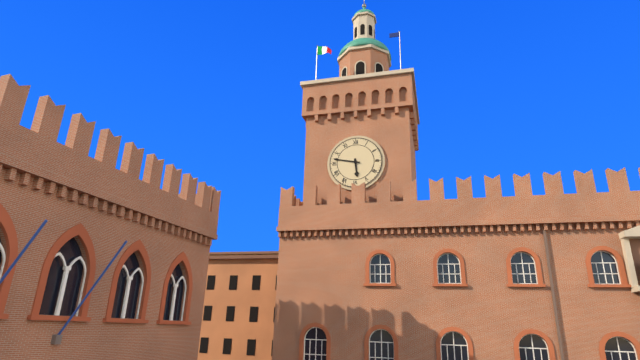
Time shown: **5:47**
